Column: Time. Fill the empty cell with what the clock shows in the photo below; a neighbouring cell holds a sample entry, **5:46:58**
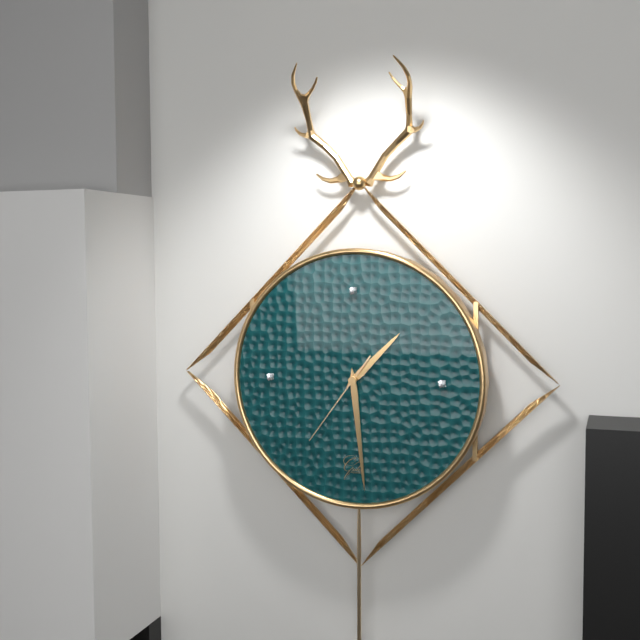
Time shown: **1:29:36**
